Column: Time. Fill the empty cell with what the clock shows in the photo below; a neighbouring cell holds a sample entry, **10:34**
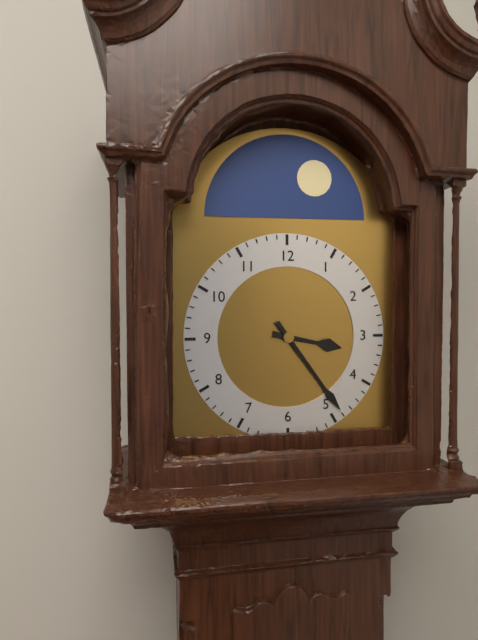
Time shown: **3:24**
